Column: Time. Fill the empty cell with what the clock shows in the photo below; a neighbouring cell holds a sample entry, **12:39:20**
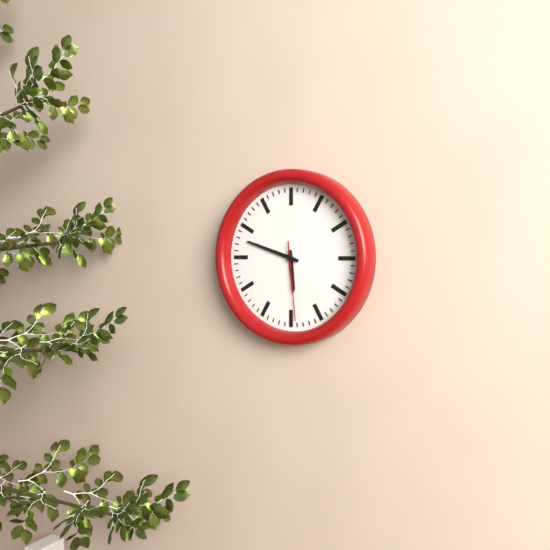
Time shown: **5:48:29**
